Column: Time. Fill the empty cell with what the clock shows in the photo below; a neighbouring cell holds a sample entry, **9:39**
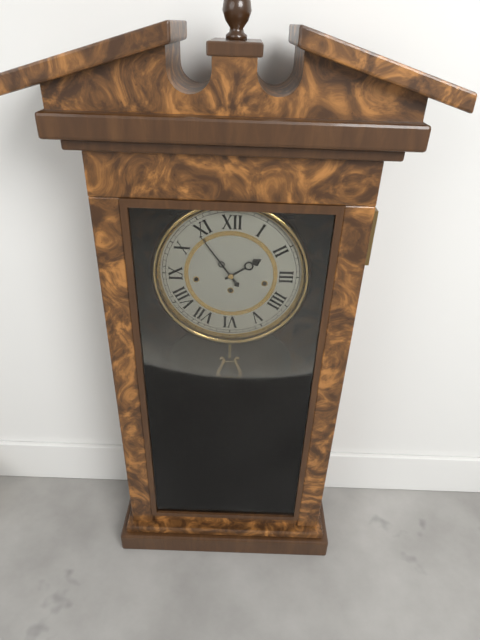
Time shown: **1:54**
